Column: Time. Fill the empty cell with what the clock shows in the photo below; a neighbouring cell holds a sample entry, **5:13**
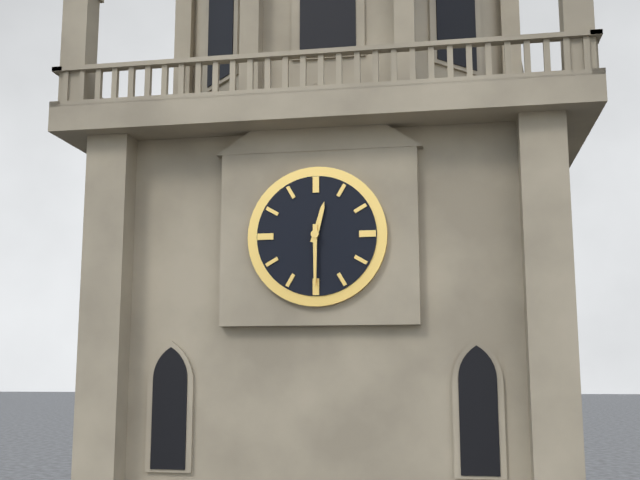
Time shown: **12:30**
